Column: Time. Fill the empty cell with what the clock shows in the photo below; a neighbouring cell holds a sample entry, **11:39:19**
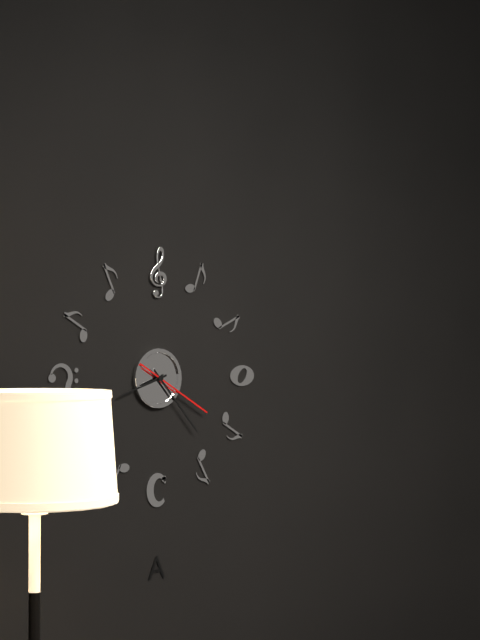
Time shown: **8:23:20**
